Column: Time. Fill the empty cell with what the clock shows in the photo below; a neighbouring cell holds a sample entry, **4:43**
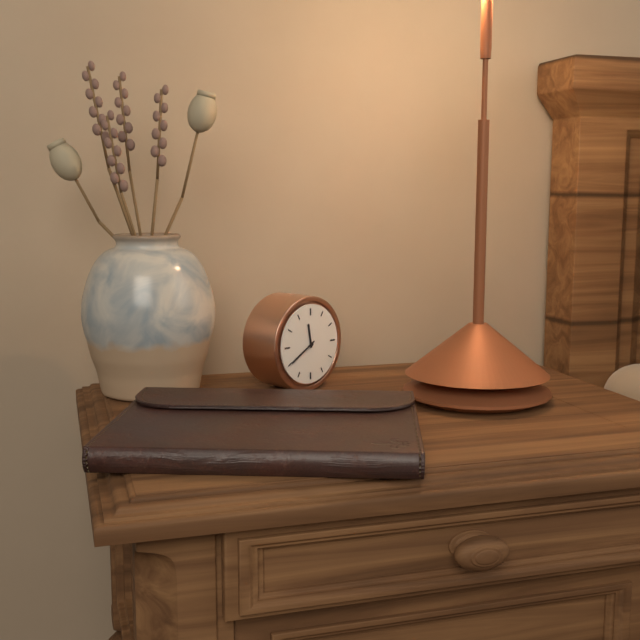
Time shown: **11:40**
